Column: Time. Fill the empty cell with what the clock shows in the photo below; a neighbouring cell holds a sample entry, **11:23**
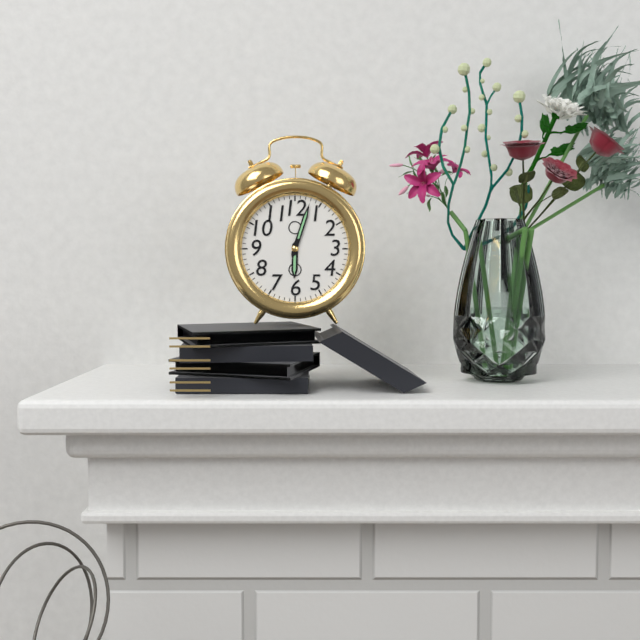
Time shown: **6:03**
